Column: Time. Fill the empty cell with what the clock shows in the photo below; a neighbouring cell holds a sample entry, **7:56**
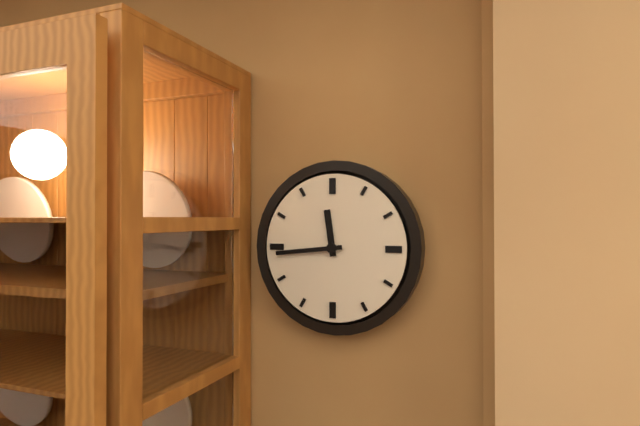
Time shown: **11:44**
